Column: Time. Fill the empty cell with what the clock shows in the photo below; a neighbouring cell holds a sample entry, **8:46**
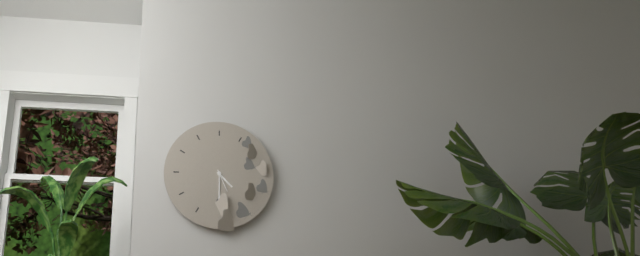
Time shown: **4:30**
